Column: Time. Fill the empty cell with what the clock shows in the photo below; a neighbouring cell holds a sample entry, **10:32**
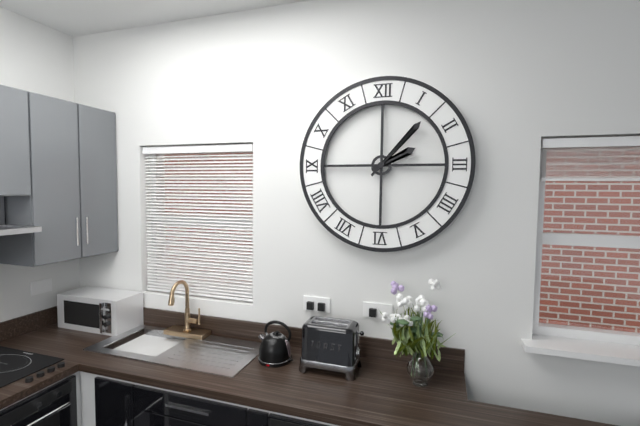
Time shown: **2:07**
